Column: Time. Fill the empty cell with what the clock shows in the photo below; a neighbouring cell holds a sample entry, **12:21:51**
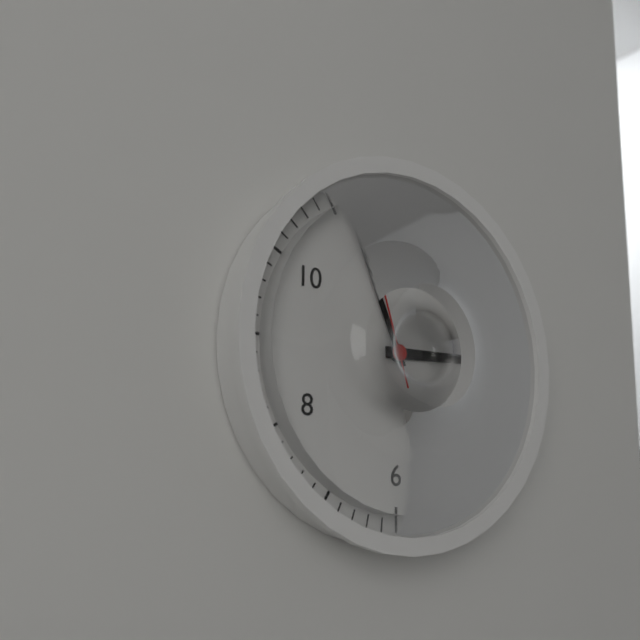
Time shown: **2:56:57**
